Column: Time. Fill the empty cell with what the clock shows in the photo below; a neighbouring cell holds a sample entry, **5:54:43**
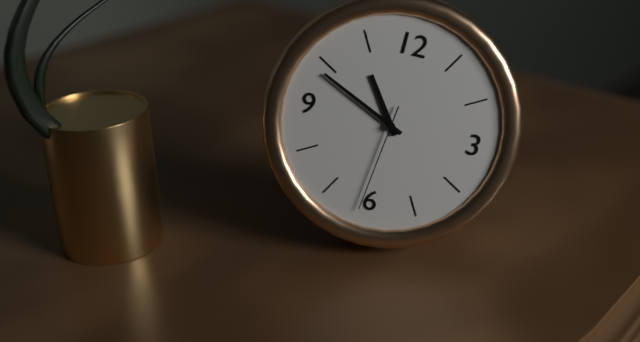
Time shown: **10:49:31**
